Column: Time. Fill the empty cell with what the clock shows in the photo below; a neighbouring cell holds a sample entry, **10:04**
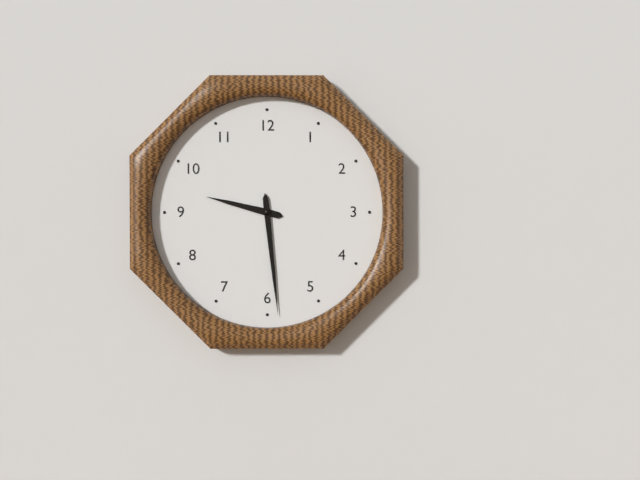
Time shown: **9:29**
